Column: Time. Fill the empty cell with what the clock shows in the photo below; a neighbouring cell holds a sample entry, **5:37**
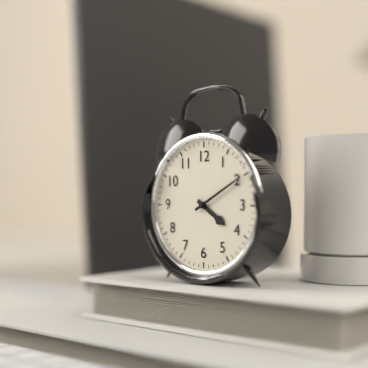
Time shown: **4:10**
